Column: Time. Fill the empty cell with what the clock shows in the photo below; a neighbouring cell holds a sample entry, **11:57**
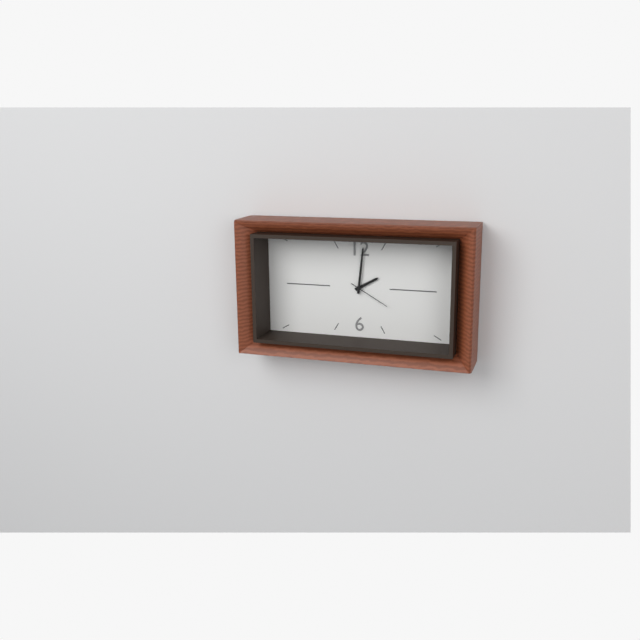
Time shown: **2:01**
